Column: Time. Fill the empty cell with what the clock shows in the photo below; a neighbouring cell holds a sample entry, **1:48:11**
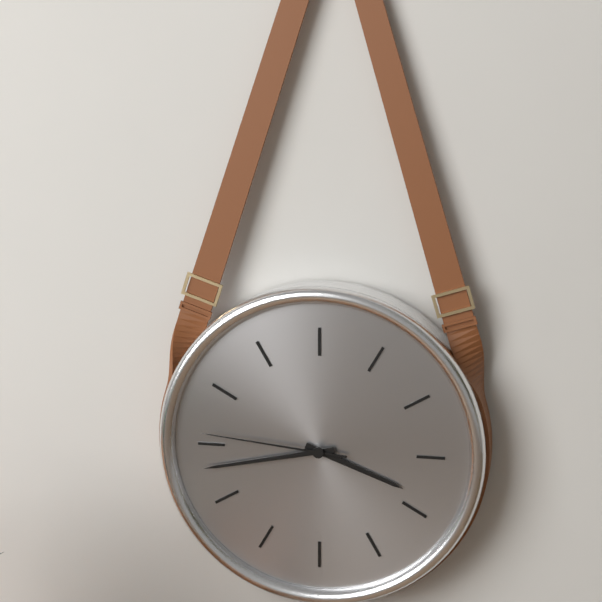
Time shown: **3:43:46**
